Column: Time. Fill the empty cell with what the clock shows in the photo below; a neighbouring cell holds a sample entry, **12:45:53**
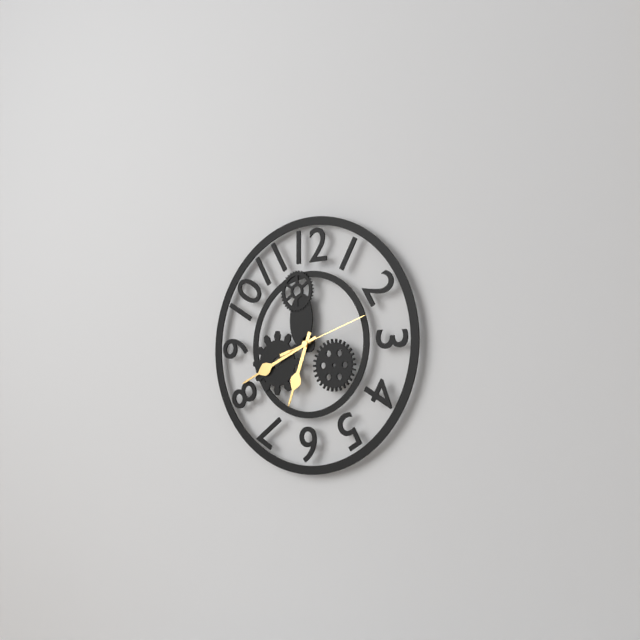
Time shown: **6:41:12**
